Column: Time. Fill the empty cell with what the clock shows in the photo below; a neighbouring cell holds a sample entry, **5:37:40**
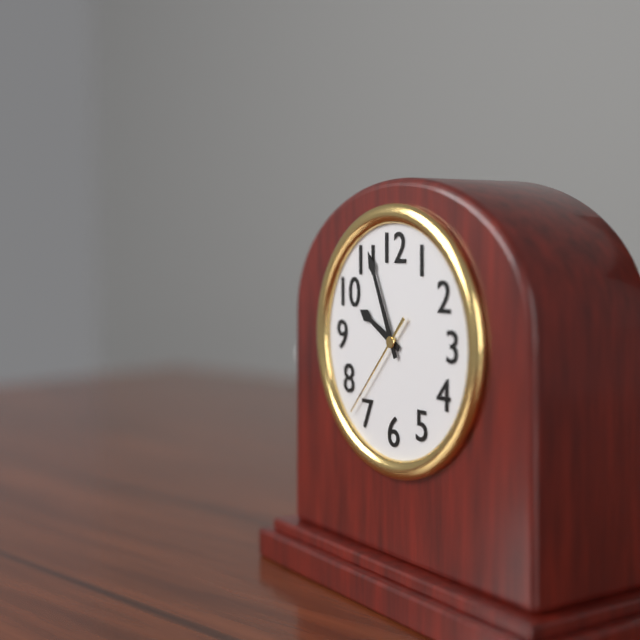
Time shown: **9:56:37**
